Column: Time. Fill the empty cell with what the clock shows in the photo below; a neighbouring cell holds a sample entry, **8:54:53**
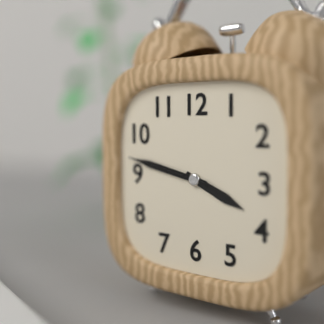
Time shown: **3:47:47**
